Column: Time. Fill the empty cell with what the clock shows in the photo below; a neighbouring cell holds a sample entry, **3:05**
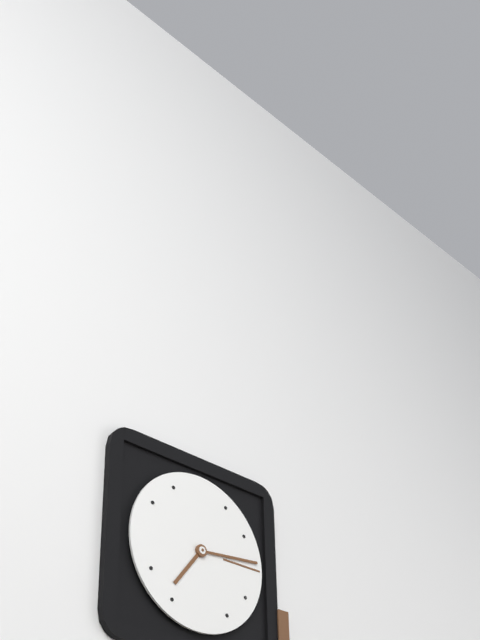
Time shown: **7:14**
